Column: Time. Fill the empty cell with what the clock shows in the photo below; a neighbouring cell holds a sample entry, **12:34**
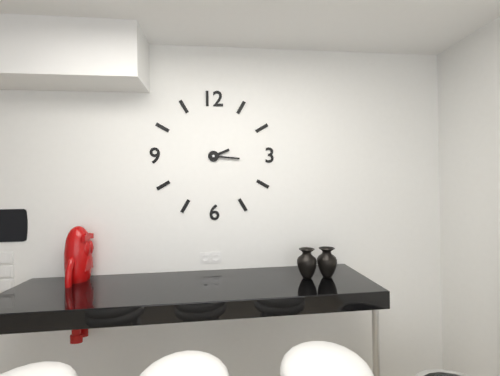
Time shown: **2:16**
